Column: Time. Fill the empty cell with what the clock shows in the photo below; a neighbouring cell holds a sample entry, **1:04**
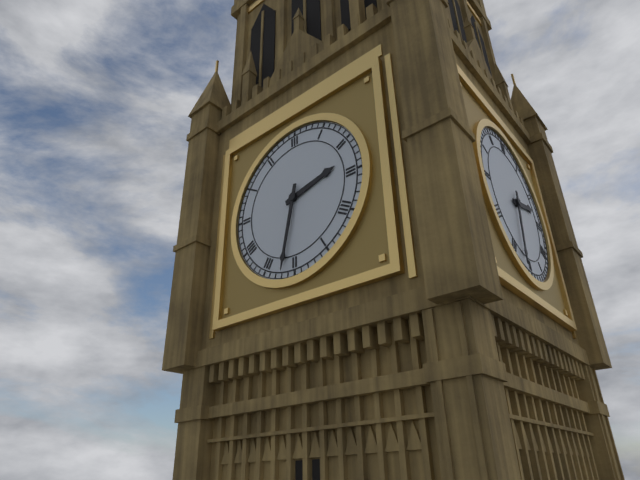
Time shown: **2:32**
